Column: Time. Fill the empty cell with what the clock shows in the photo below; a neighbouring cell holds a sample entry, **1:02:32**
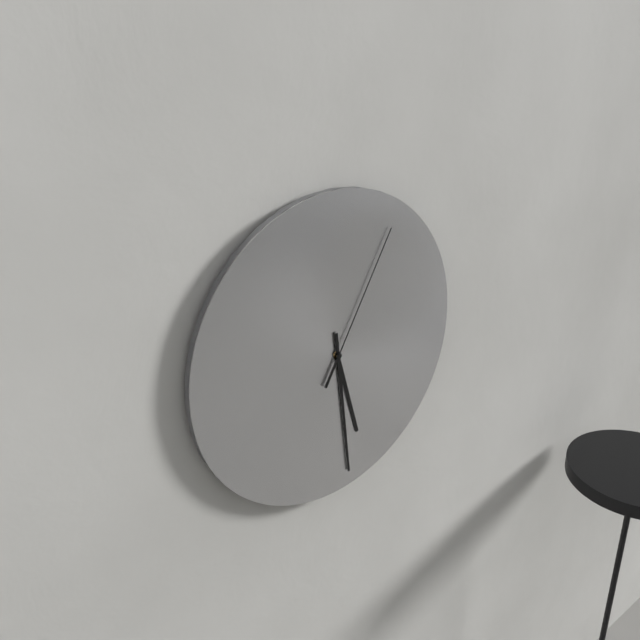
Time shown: **5:29:05**
